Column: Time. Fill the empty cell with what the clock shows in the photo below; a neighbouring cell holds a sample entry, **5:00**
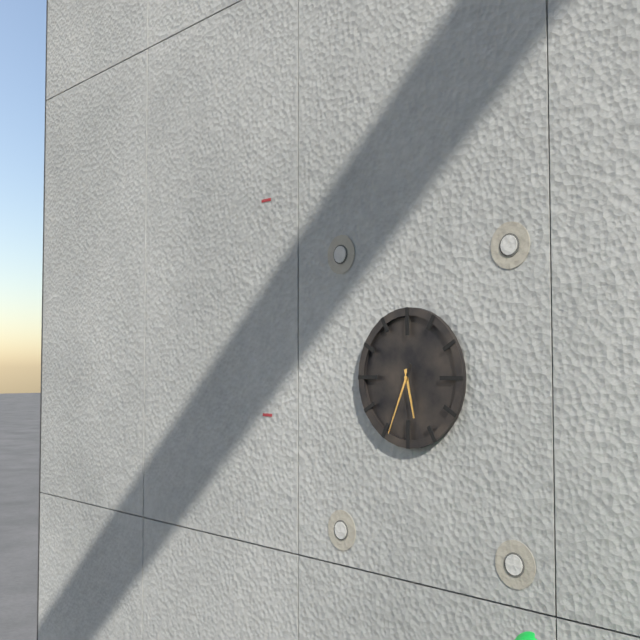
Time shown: **5:34**
